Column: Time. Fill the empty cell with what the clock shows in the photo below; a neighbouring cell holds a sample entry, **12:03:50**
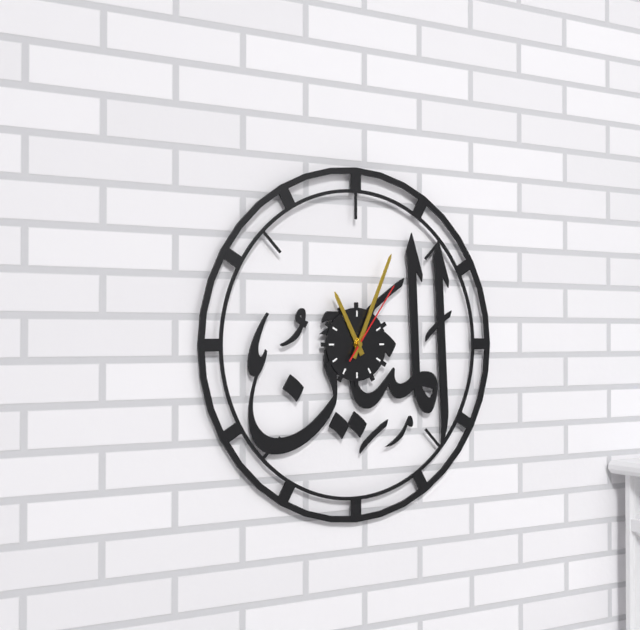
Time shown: **11:04:06**
